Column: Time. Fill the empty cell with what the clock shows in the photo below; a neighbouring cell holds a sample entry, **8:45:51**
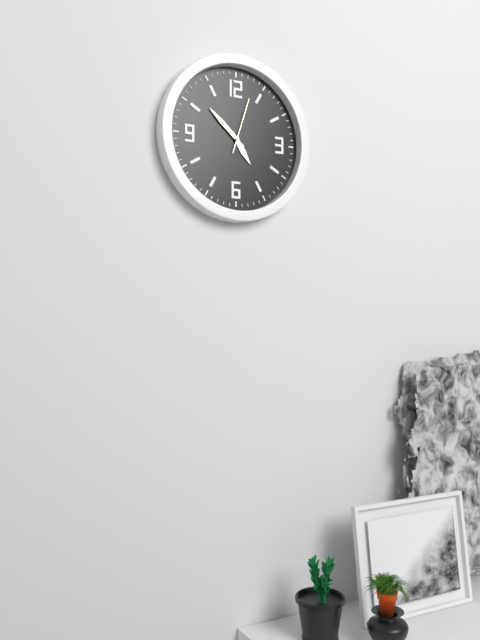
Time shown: **4:52:03**
